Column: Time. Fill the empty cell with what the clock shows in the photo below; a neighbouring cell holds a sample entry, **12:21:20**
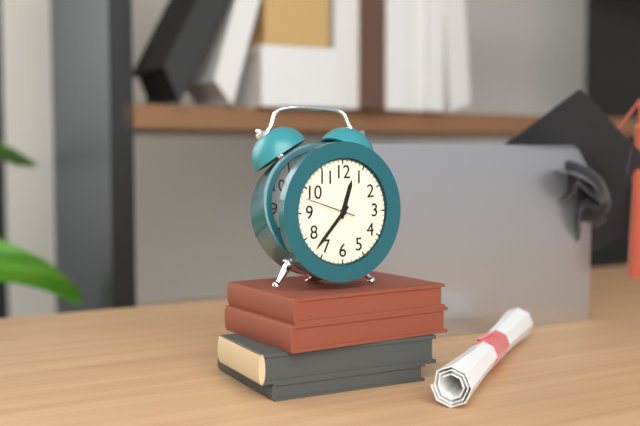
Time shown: **12:37:48**
